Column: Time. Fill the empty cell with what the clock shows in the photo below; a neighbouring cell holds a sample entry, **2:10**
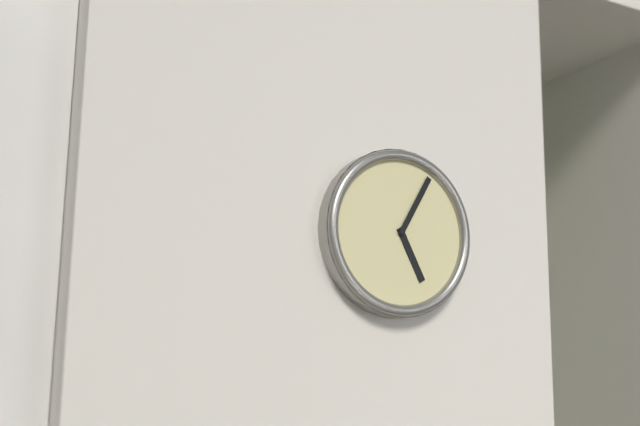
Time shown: **5:05**
